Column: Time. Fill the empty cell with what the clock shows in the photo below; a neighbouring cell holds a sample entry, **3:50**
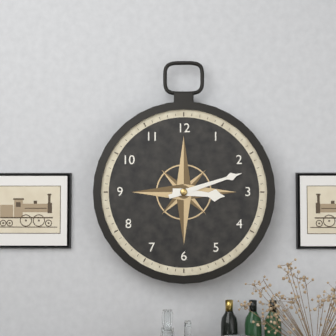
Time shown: **3:12**
